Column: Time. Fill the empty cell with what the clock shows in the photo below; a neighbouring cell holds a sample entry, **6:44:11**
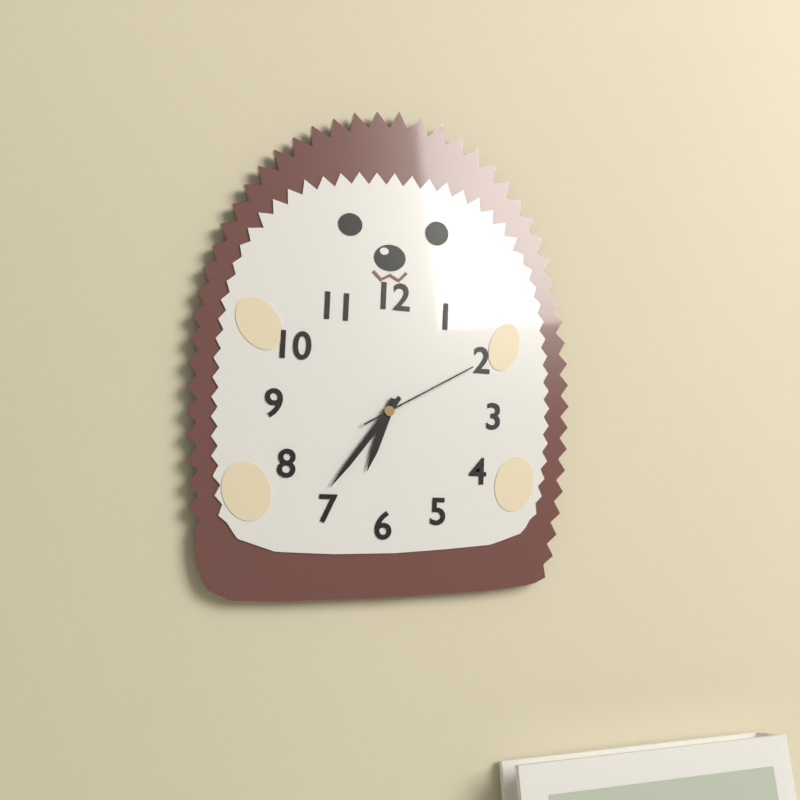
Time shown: **6:36:10**
